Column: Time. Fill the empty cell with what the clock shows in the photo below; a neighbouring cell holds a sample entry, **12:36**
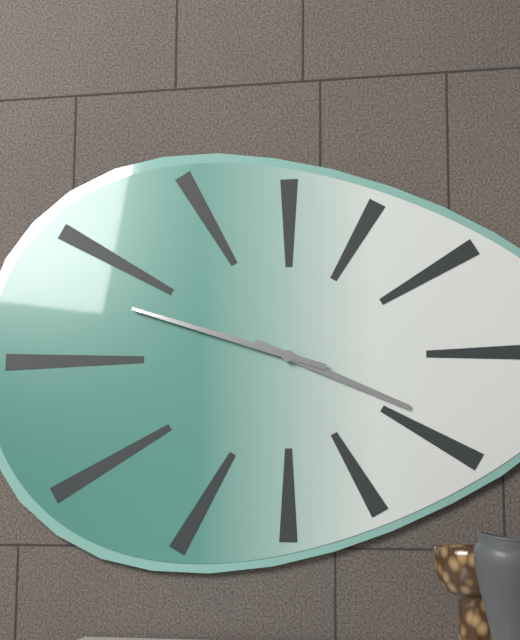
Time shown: **3:48**
